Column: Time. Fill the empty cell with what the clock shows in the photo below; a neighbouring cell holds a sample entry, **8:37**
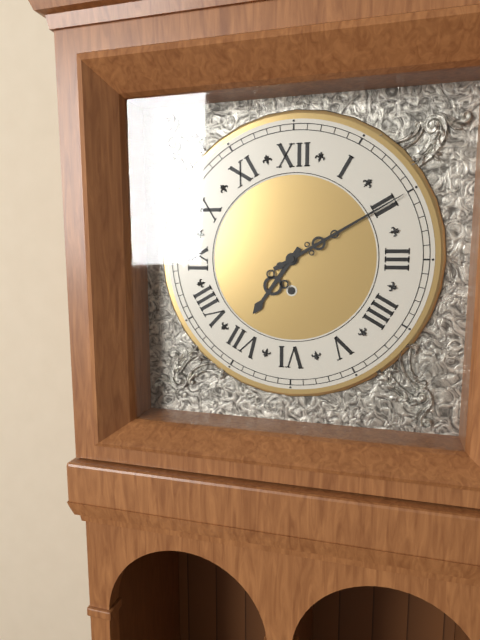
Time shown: **7:10**
